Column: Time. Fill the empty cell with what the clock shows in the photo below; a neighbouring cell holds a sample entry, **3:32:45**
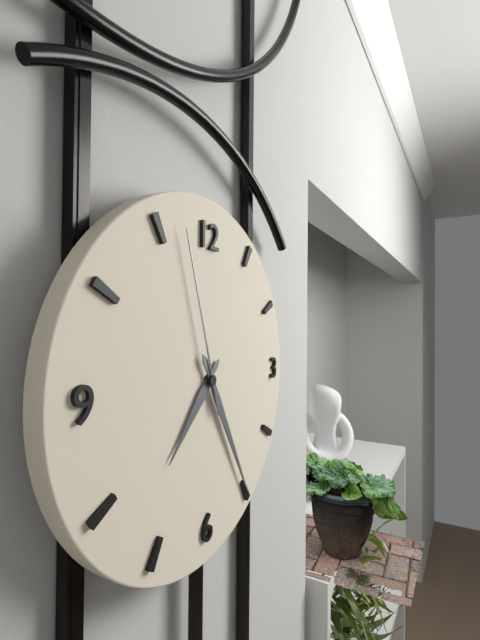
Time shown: **7:25:57**
